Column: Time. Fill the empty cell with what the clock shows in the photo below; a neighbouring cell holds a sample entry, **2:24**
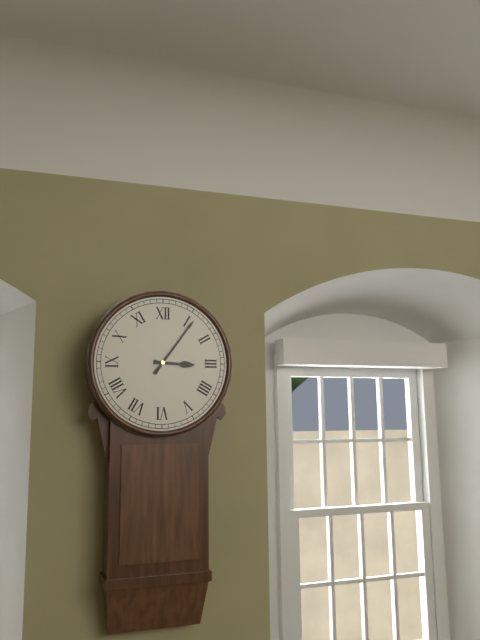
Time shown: **3:06**
